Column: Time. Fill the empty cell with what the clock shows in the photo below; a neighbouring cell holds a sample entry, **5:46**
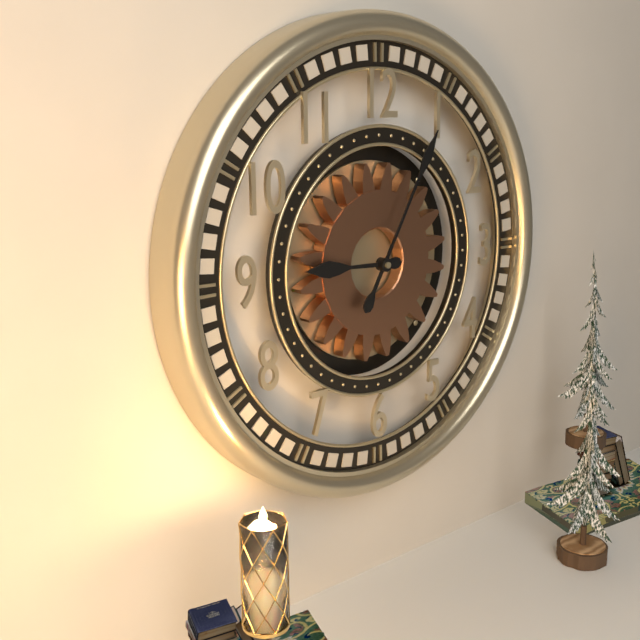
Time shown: **9:05**
